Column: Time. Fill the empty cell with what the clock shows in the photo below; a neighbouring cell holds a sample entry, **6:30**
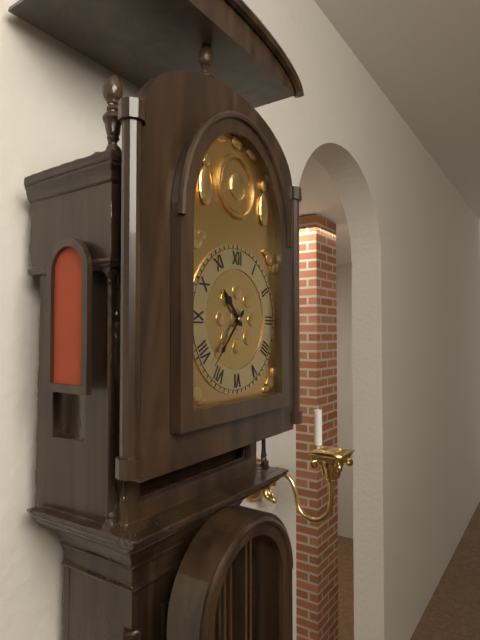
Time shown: **10:37**
